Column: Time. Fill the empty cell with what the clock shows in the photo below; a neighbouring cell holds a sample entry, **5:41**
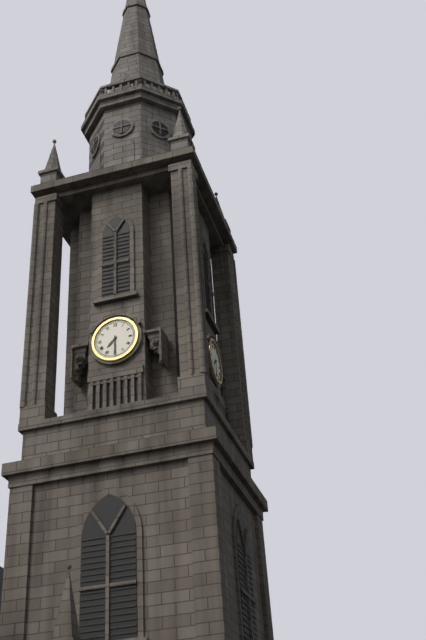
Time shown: **7:30**
